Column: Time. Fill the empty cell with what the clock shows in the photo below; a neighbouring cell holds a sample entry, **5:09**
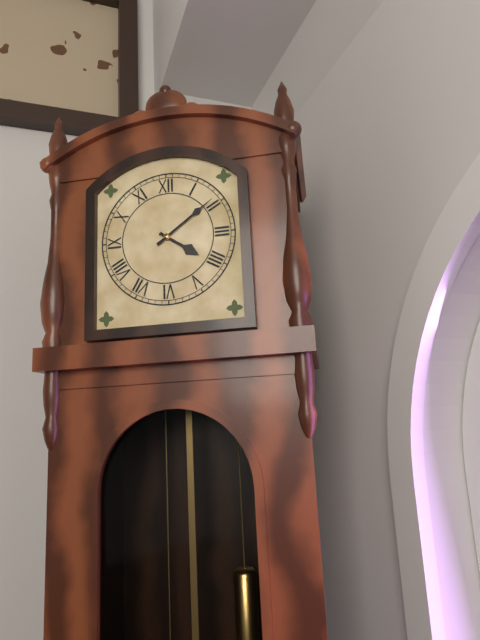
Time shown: **4:09**
